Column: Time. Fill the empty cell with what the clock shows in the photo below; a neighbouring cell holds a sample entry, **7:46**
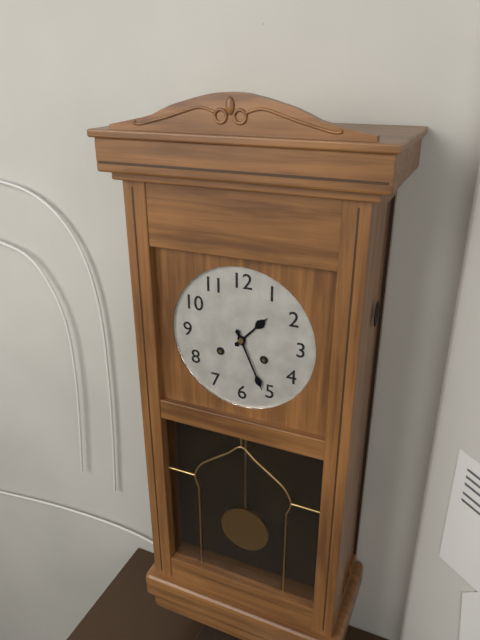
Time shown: **1:26**
